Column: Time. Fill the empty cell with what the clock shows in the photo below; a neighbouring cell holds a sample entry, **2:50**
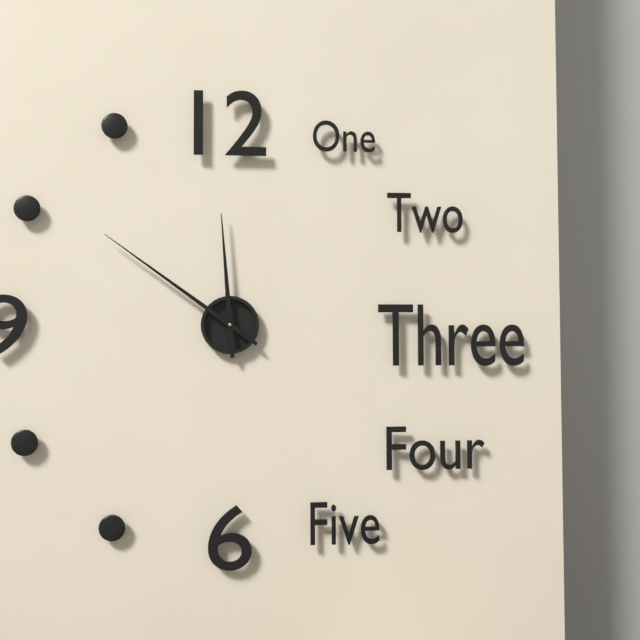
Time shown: **11:51**
